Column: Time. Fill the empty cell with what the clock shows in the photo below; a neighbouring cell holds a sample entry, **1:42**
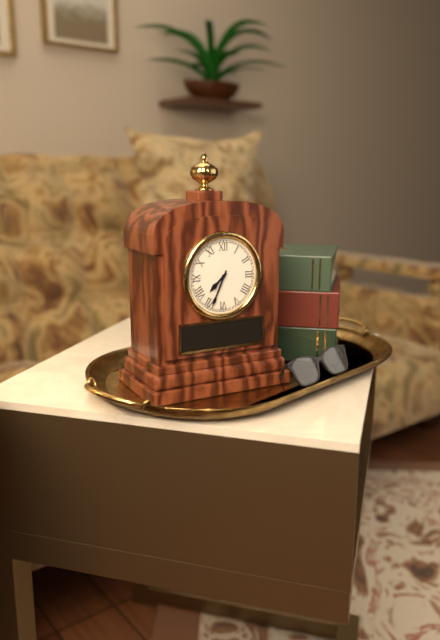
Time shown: **7:34**
